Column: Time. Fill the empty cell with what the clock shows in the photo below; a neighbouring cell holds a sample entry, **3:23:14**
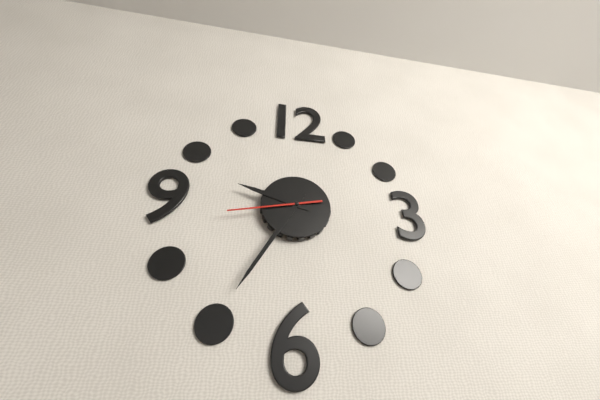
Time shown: **9:35:43**
